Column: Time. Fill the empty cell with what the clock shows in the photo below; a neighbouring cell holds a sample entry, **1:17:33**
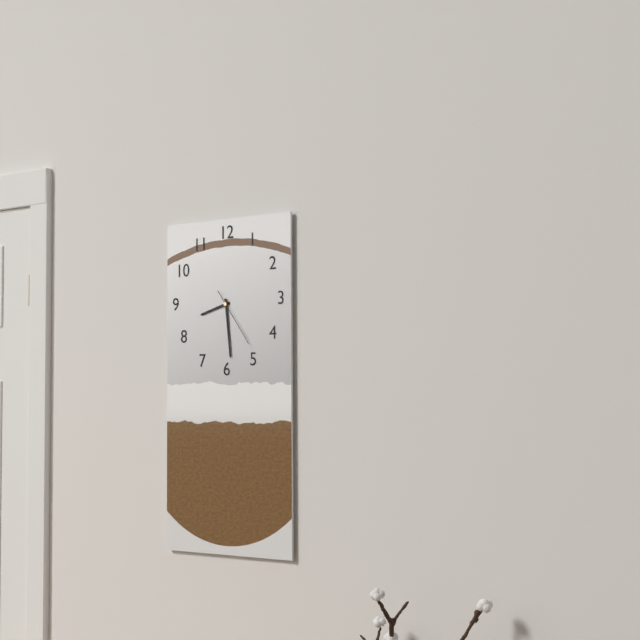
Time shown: **8:29:24**
